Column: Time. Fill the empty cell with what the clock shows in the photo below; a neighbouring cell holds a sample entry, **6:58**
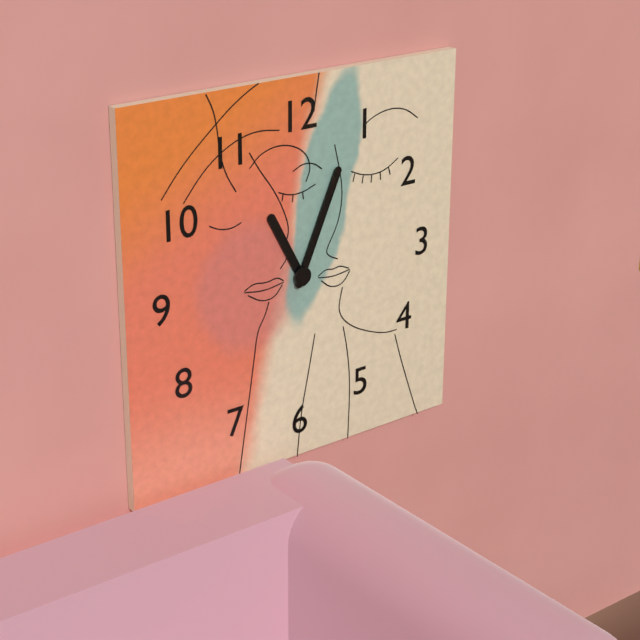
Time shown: **11:04**
